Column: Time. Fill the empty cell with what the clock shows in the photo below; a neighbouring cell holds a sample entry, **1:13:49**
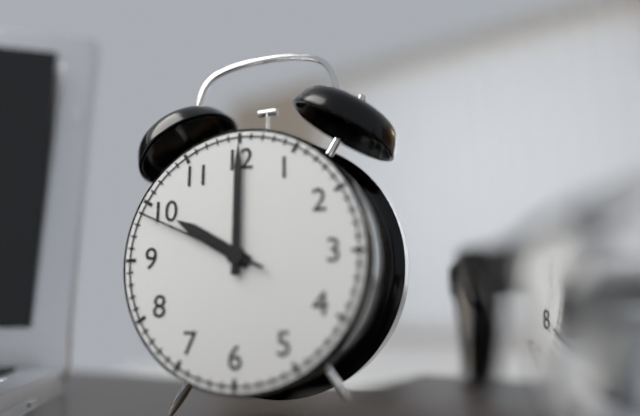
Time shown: **10:00:49**
